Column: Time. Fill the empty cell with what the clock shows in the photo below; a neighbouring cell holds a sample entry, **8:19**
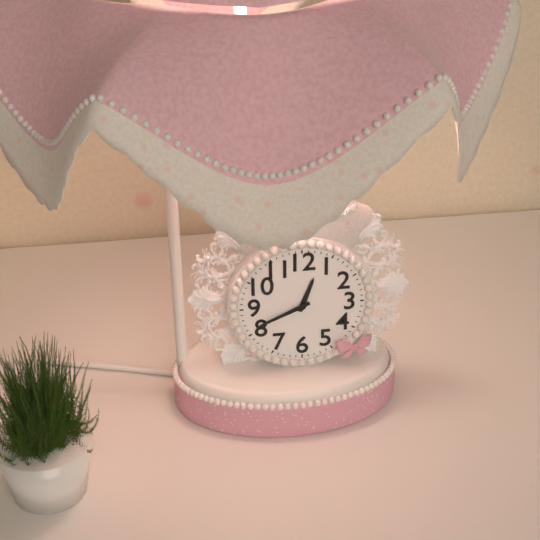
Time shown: **12:41**
